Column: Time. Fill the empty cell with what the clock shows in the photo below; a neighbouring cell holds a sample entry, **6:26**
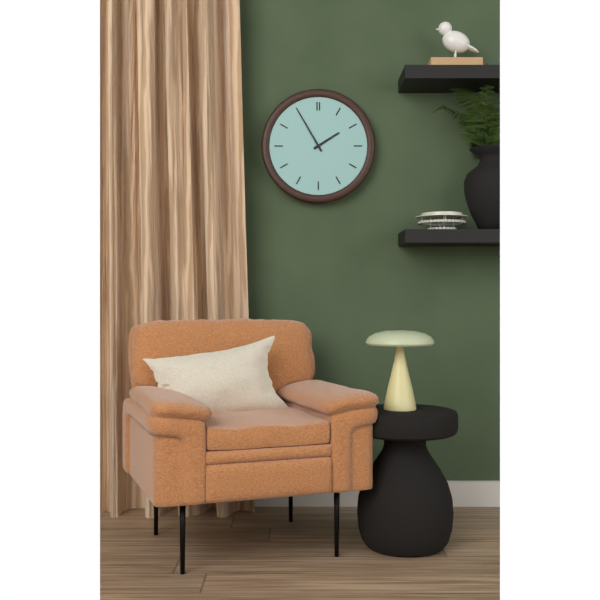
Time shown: **1:55**
